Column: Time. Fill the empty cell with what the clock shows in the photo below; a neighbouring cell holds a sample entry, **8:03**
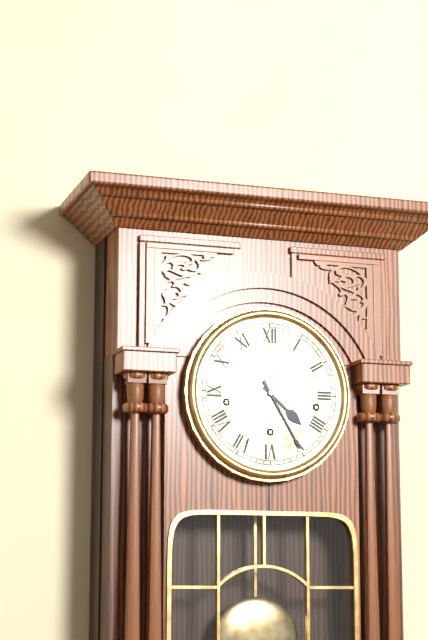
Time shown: **4:25**
